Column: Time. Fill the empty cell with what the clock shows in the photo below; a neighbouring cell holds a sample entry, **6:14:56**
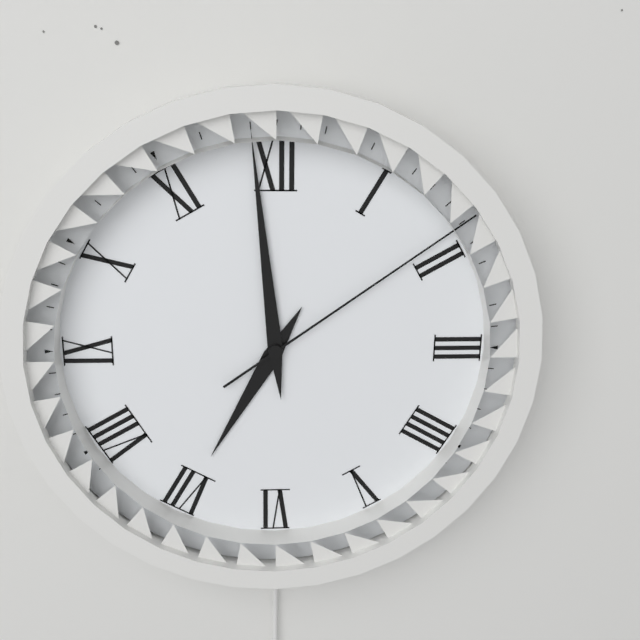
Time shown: **6:59:09**
